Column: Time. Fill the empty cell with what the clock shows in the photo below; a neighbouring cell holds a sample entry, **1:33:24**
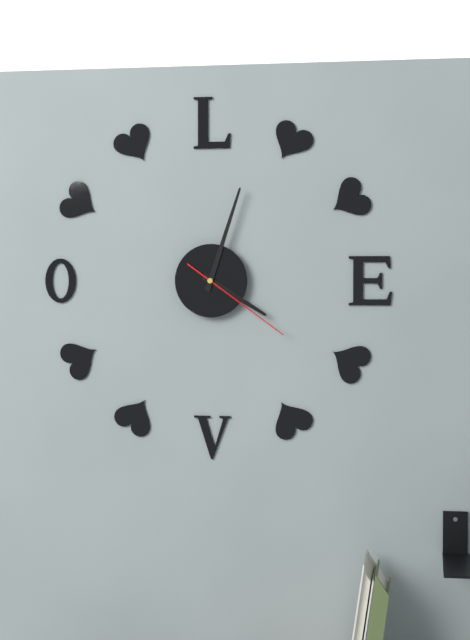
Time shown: **4:03:21**
